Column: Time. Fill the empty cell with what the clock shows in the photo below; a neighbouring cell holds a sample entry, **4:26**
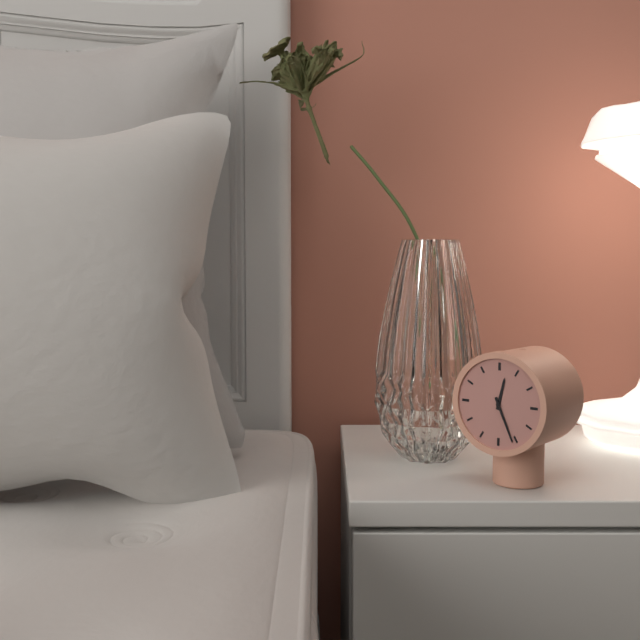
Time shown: **12:26**
